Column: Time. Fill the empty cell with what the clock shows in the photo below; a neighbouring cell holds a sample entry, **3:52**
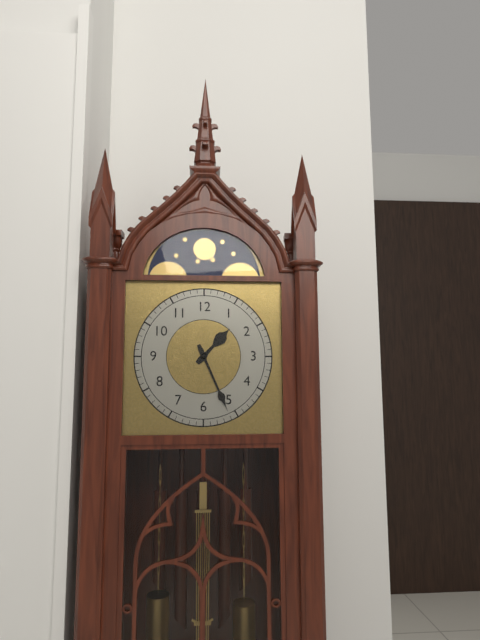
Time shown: **1:26**
